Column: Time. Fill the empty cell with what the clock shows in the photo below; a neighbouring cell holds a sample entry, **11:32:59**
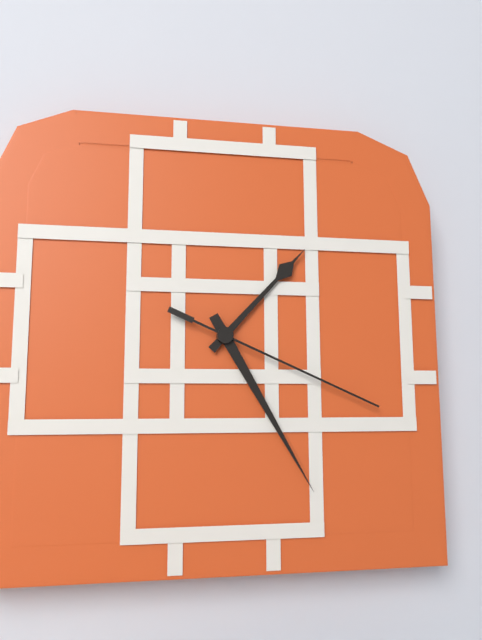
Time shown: **1:25:19**
